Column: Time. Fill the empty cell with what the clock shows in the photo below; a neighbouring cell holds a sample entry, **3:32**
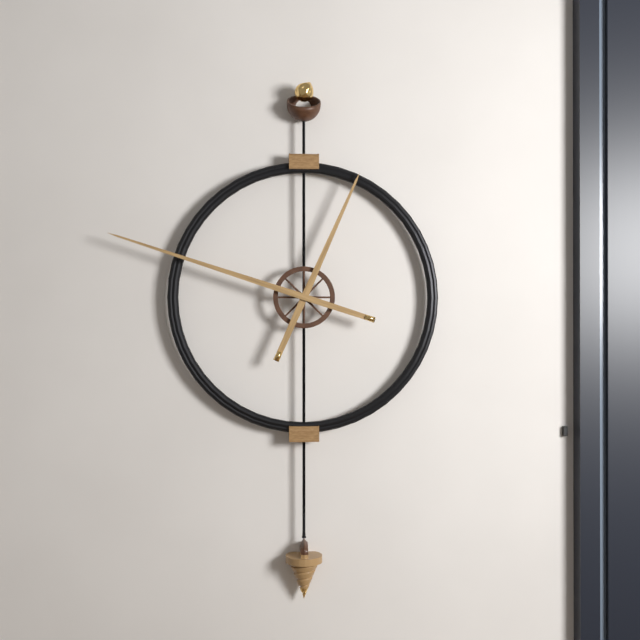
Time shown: **12:48**
